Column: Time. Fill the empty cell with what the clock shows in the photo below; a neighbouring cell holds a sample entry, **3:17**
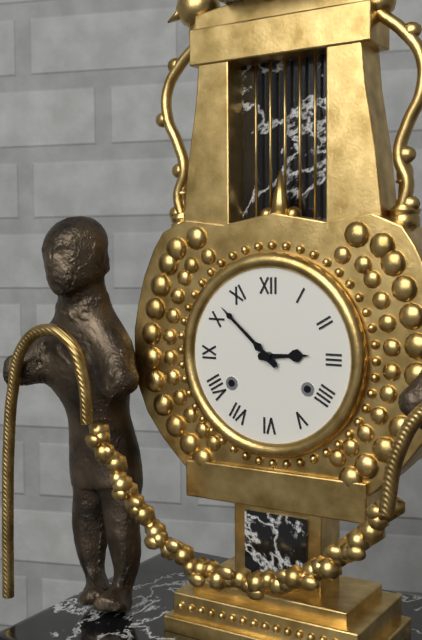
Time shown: **2:52**
